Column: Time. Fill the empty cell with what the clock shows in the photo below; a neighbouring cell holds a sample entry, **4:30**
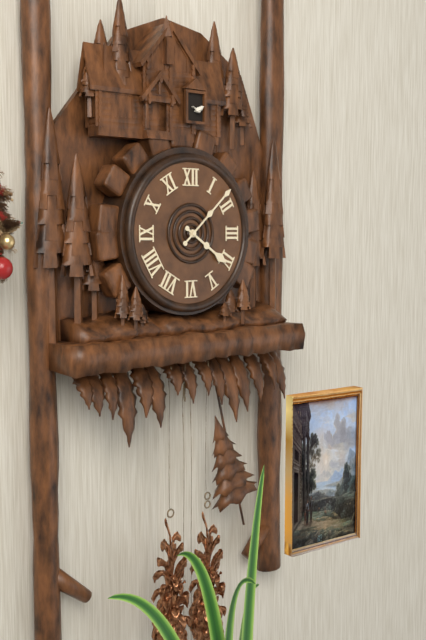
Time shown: **4:08**
